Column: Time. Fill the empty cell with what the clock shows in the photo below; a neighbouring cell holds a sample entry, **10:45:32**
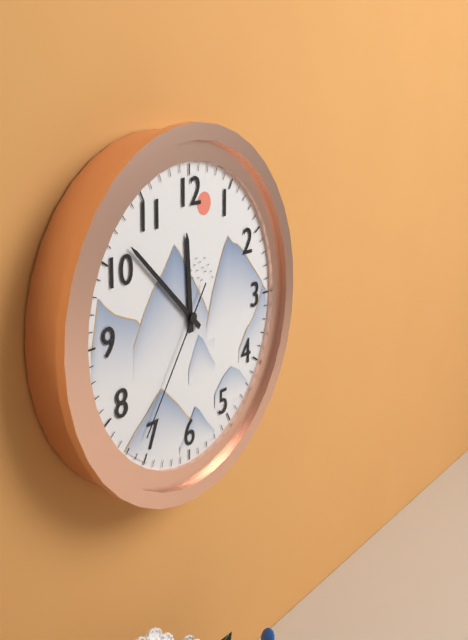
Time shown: **11:52:36**
